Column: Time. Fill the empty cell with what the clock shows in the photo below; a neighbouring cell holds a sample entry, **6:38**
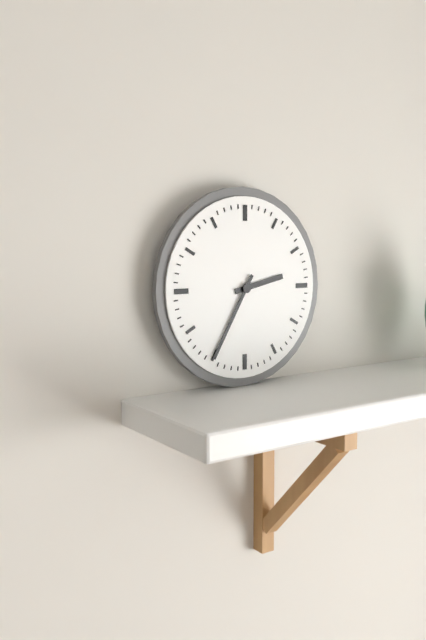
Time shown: **2:35**
